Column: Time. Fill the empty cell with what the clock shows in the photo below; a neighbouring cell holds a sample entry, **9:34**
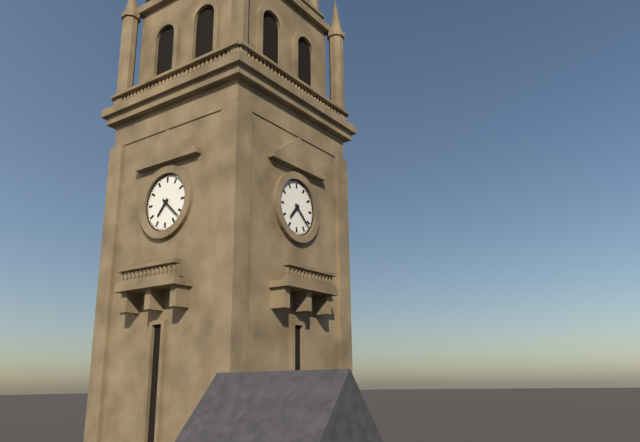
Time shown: **7:22**
